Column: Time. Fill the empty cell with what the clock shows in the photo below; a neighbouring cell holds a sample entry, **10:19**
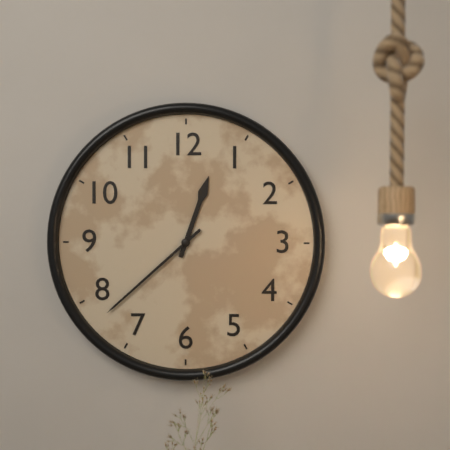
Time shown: **12:38**
